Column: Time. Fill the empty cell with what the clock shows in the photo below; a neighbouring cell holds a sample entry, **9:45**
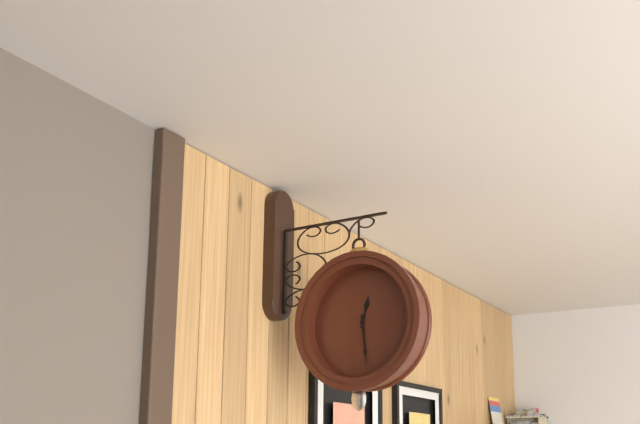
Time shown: **12:29**
